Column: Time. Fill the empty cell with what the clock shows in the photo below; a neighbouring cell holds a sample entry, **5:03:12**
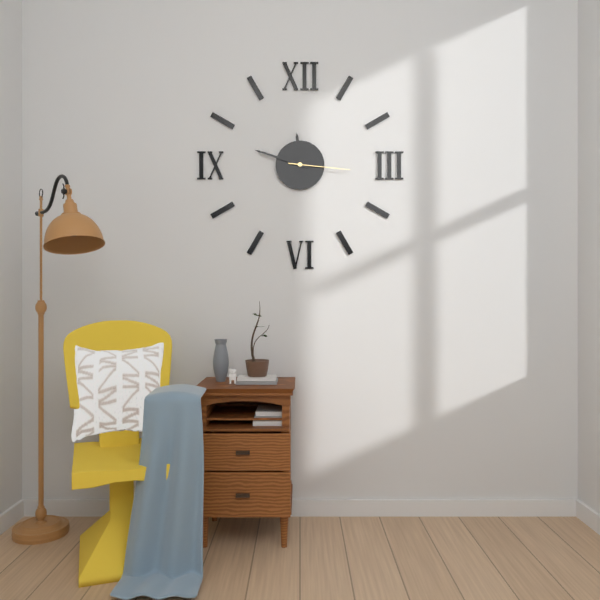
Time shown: **11:48:16**
